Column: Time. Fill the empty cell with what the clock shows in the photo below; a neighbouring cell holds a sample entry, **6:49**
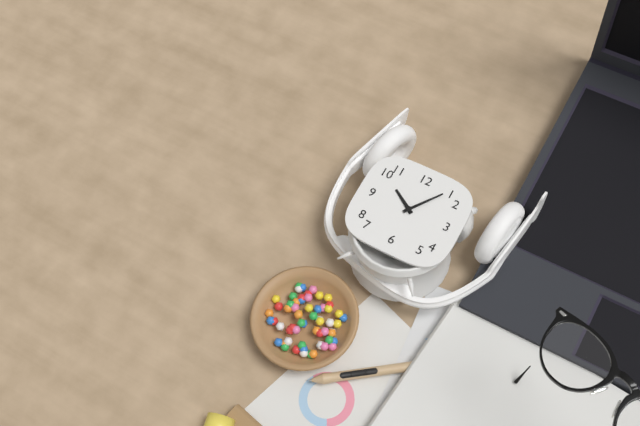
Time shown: **10:06**
